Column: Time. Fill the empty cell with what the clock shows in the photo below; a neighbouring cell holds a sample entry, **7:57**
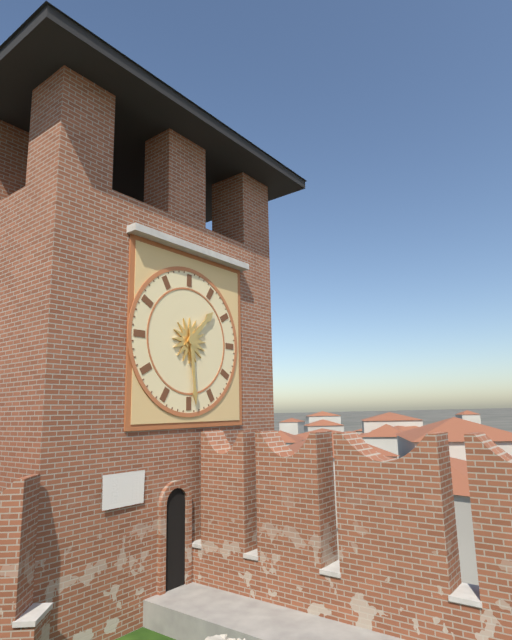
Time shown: **1:29**
